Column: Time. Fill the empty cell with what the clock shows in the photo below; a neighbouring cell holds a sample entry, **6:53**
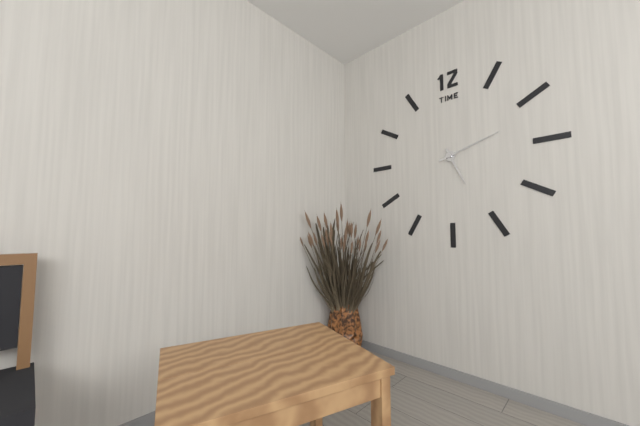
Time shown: **5:12**
